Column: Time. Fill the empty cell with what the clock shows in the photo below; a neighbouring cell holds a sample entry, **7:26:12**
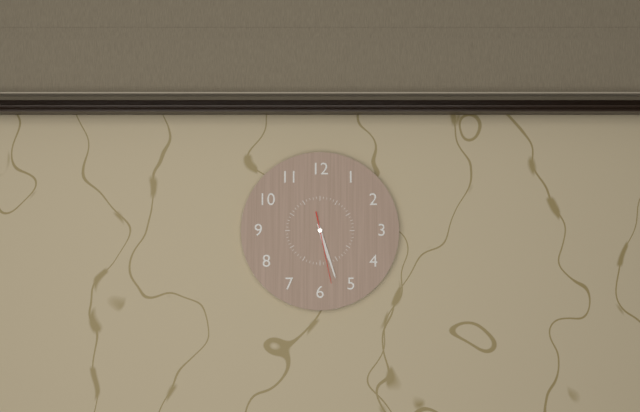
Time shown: **5:27:28**
